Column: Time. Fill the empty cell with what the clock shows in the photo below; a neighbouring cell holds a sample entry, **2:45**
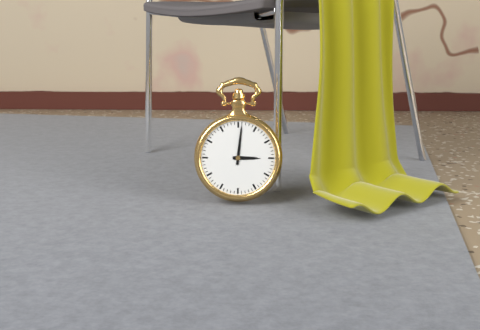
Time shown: **3:01**
